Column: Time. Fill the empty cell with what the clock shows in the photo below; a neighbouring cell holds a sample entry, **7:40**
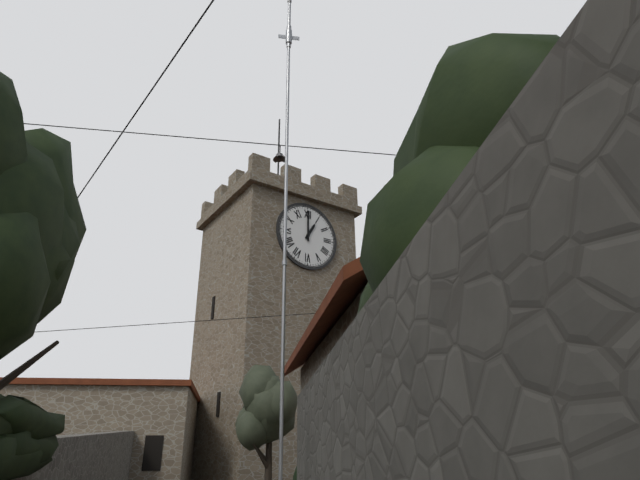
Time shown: **1:00**
